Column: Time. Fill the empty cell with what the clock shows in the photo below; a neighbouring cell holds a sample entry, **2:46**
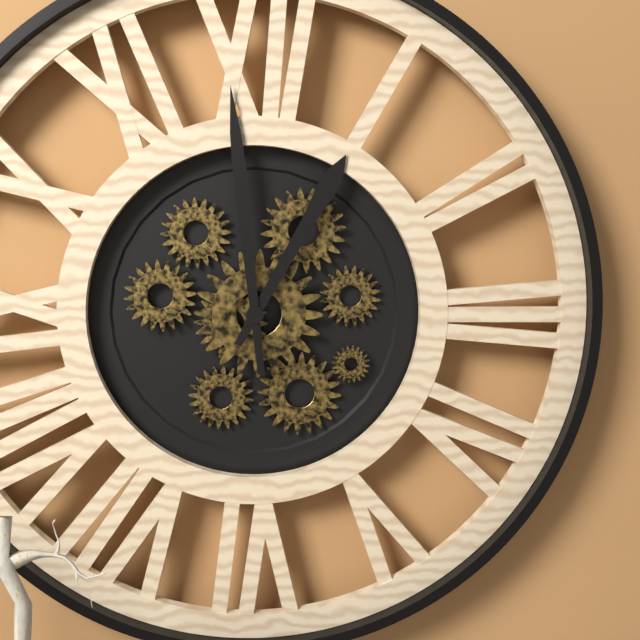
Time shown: **12:59**
